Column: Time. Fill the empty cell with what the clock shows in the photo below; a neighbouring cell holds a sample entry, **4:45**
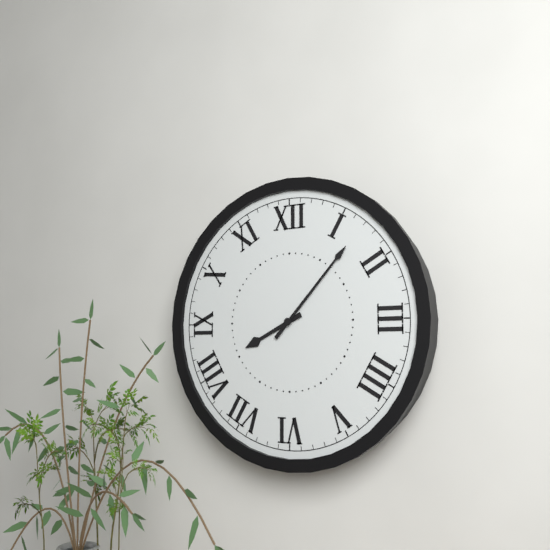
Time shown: **8:07**
